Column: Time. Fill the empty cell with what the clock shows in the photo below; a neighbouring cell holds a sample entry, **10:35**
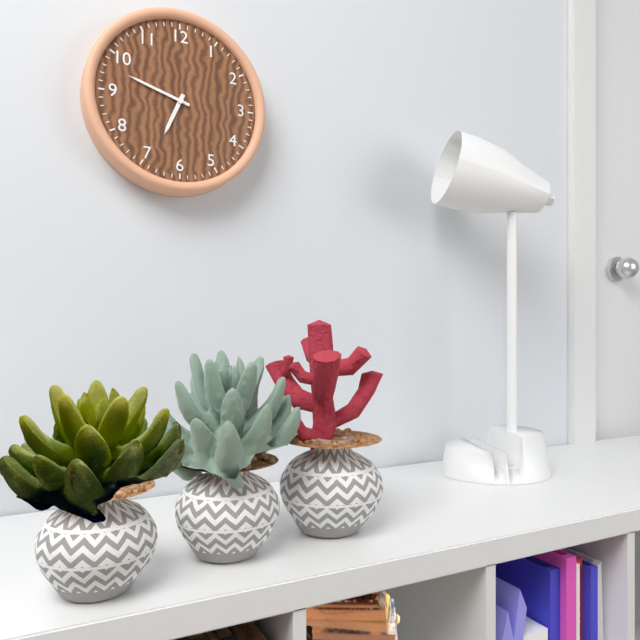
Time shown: **6:48**
